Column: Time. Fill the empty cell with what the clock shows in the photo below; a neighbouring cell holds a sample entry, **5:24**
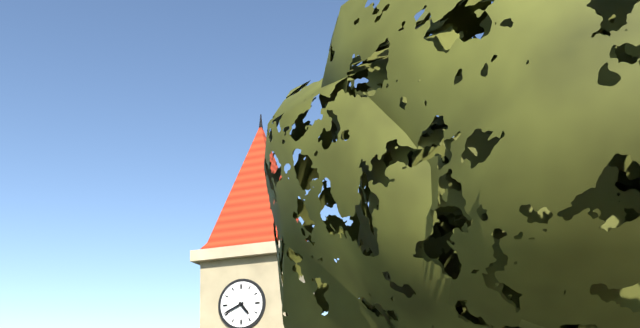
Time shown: **4:41**
